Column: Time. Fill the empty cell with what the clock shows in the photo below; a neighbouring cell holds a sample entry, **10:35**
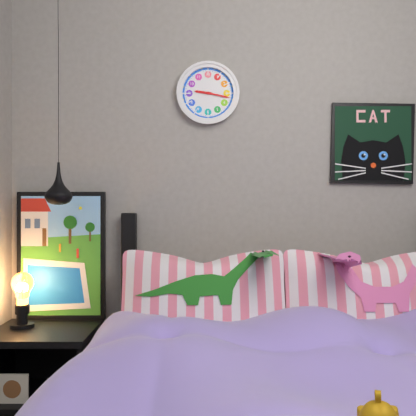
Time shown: **9:17**
